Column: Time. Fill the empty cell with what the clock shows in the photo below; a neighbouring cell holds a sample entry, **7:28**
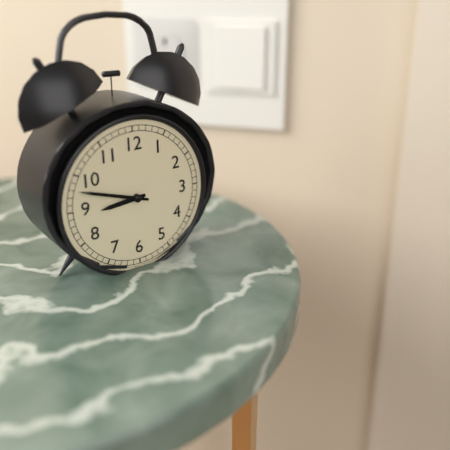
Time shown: **8:48**
